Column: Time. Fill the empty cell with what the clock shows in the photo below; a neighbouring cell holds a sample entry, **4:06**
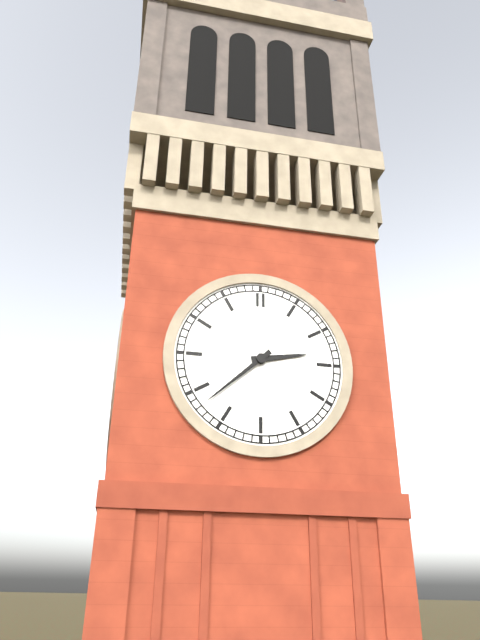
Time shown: **2:38**
